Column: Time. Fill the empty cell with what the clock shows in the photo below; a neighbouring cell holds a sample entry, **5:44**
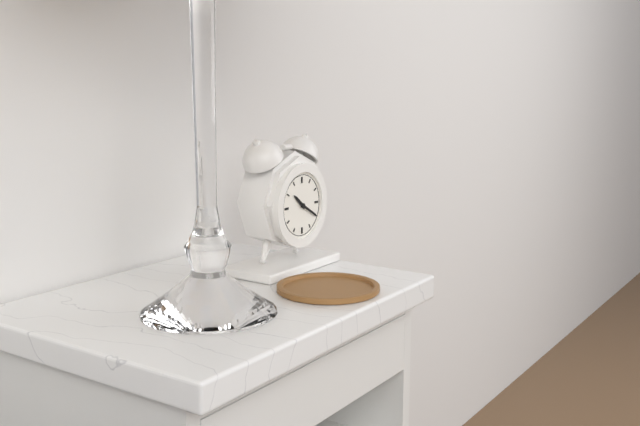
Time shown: **10:20**
